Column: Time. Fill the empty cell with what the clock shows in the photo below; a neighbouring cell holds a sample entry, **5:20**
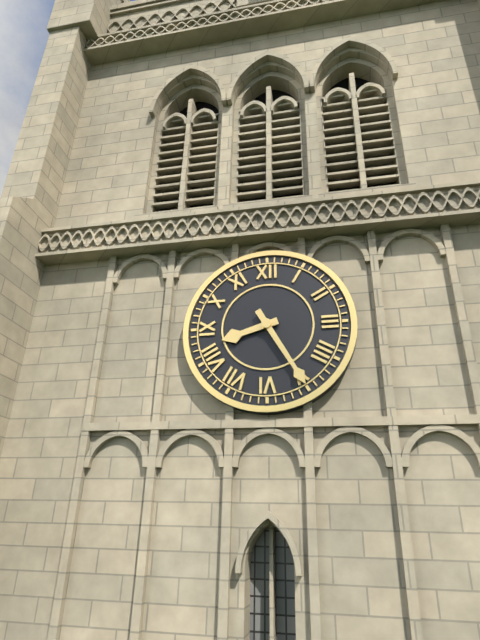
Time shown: **8:25**
